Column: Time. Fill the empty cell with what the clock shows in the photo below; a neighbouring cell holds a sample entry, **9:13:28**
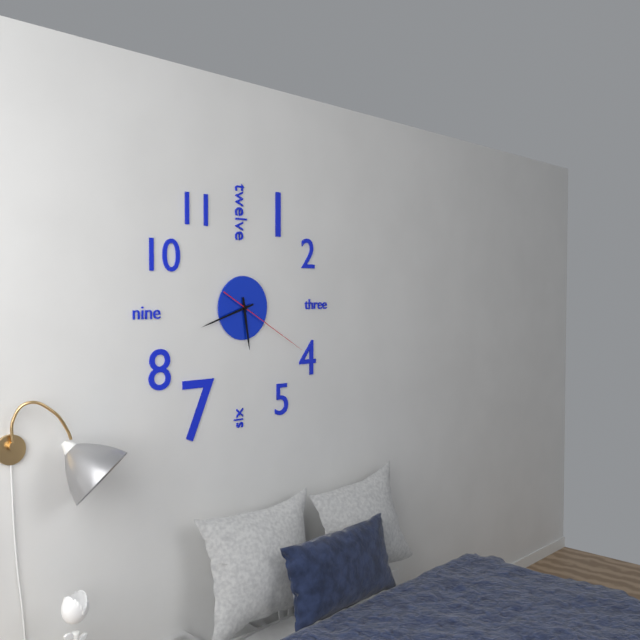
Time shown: **5:42:20**
